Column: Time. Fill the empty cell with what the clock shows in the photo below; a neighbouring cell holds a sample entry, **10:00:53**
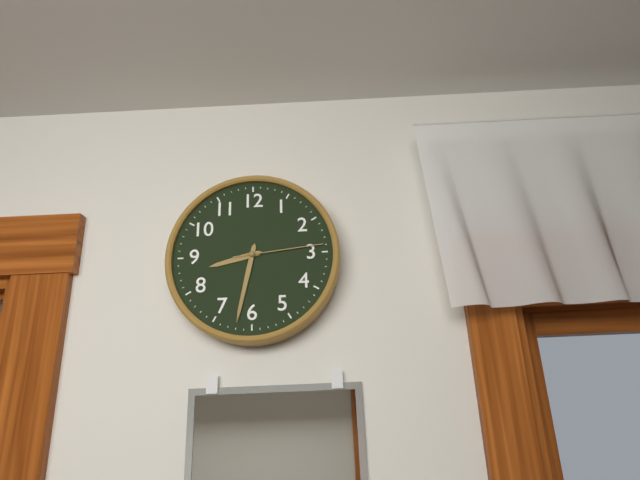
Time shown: **8:32:14**
